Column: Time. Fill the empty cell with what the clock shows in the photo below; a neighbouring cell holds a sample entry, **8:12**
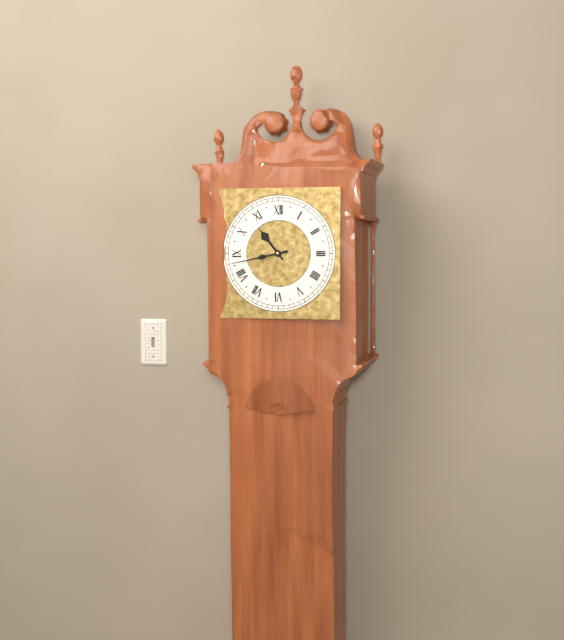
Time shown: **10:43**
